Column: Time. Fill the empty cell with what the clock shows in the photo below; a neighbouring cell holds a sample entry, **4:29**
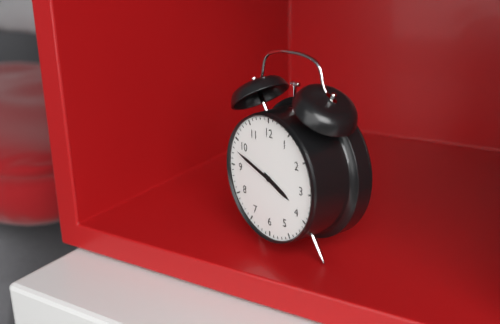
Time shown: **3:48**
